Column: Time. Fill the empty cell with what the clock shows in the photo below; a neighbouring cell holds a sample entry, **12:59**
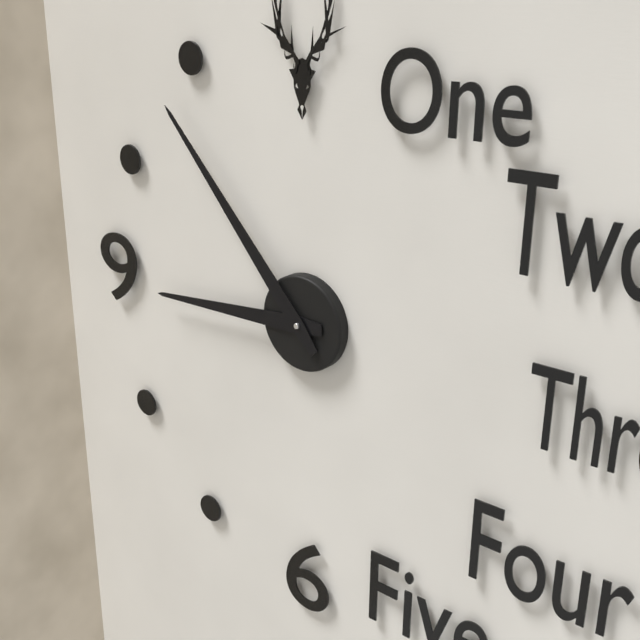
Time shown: **8:53**
